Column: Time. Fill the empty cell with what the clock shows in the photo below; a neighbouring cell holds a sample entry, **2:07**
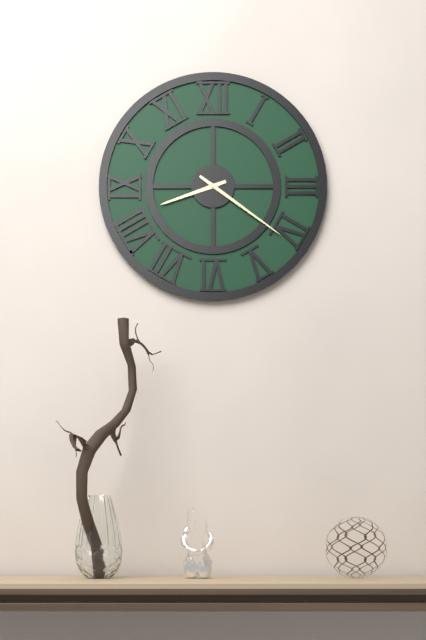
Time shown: **8:21**
